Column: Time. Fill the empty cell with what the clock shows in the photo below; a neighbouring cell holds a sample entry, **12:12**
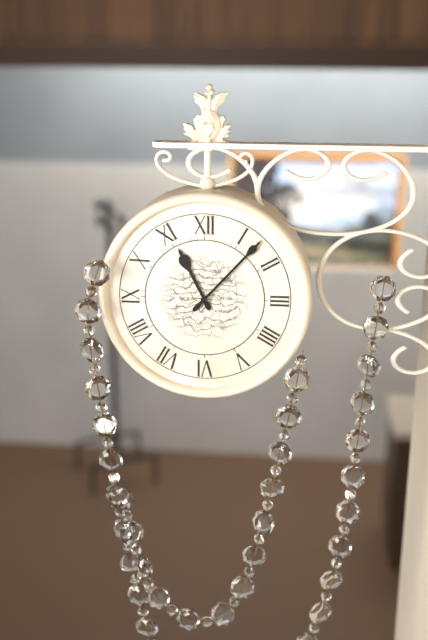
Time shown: **11:07**
